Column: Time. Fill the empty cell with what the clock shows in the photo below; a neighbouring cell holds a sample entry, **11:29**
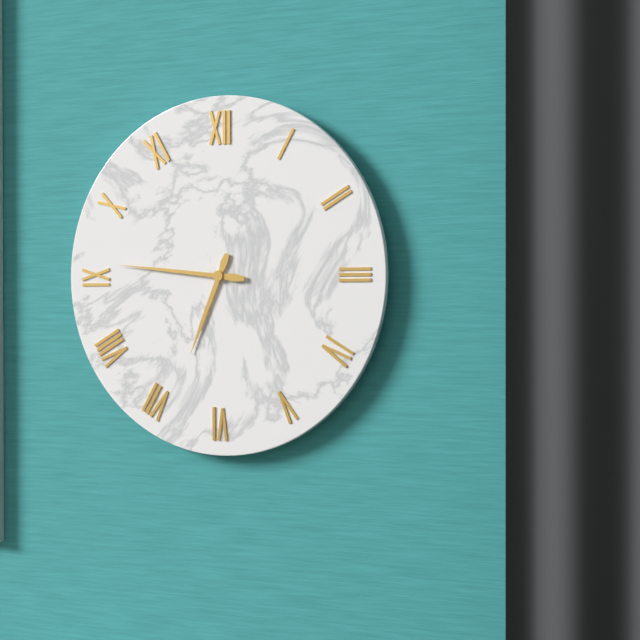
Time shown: **6:46**
